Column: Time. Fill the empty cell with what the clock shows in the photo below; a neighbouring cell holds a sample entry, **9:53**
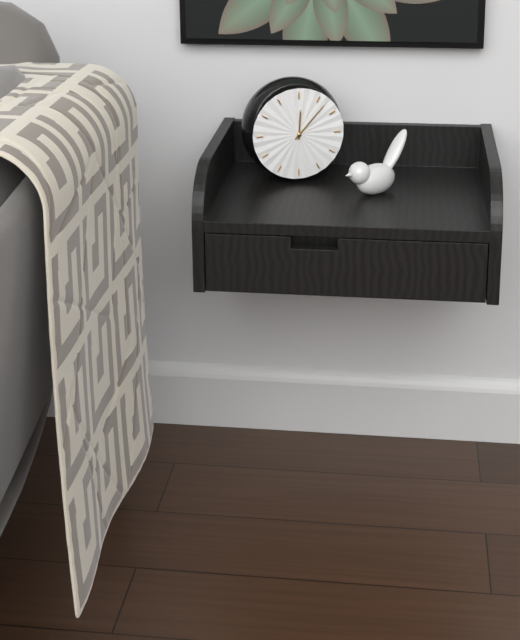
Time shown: **12:07**
